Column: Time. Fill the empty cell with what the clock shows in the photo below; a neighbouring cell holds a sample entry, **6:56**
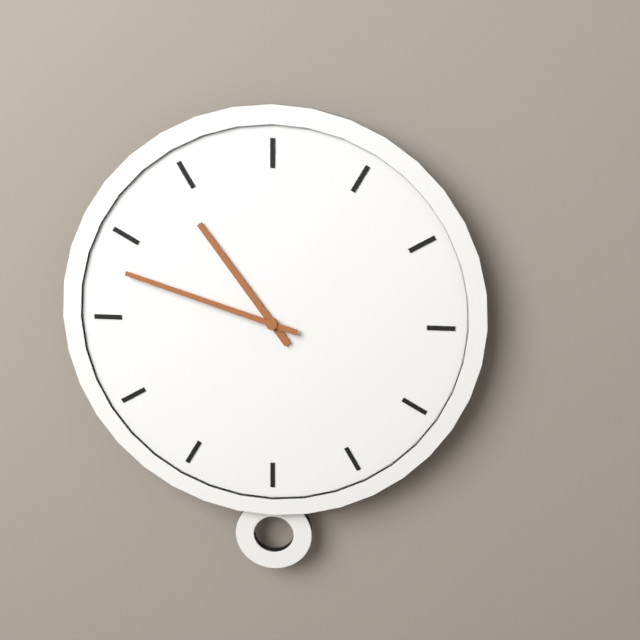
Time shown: **10:48**
